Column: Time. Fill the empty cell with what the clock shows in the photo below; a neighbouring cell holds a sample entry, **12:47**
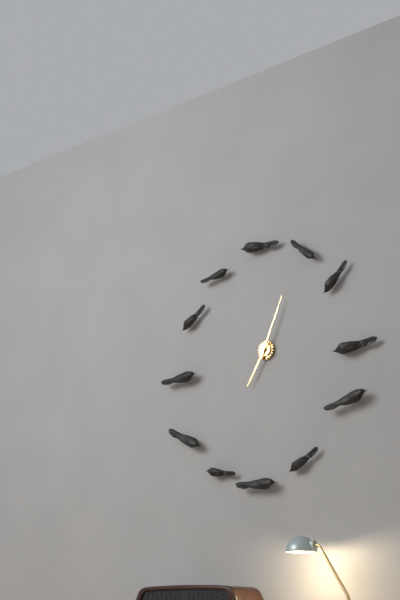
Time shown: **7:04**
